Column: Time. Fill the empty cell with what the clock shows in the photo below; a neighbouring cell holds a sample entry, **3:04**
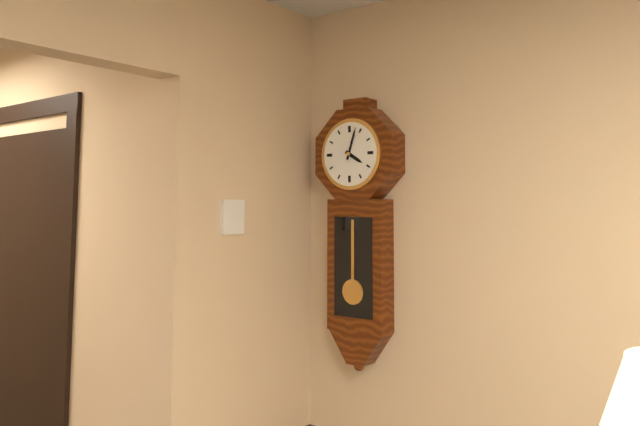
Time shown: **4:03**
